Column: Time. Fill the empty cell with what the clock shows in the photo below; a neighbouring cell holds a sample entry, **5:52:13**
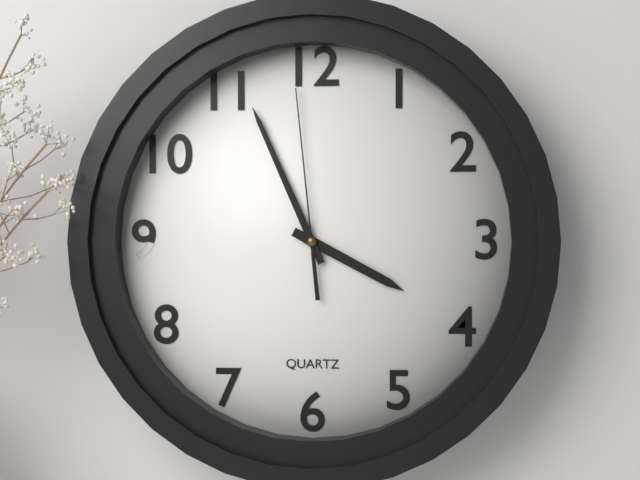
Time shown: **3:56:59**
